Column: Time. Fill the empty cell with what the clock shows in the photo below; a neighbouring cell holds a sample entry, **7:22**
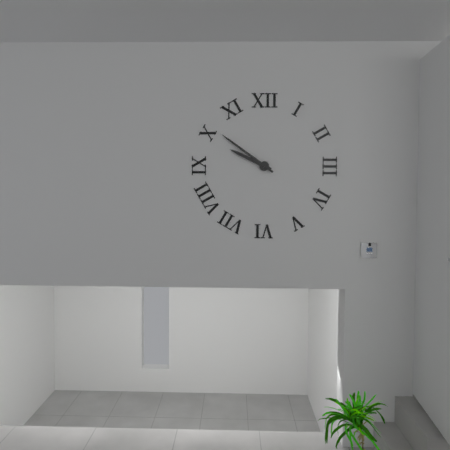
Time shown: **9:51**
